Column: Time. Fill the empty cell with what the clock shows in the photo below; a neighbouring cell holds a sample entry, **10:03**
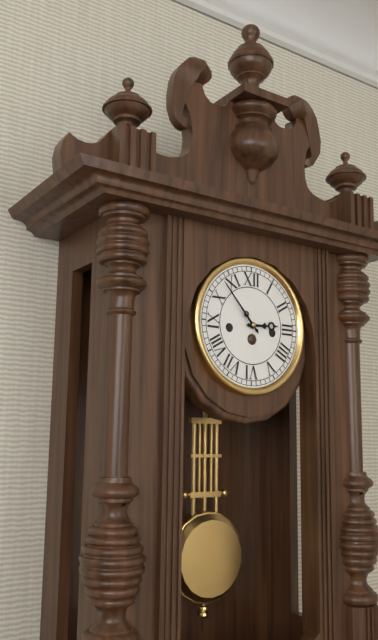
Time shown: **2:53**
